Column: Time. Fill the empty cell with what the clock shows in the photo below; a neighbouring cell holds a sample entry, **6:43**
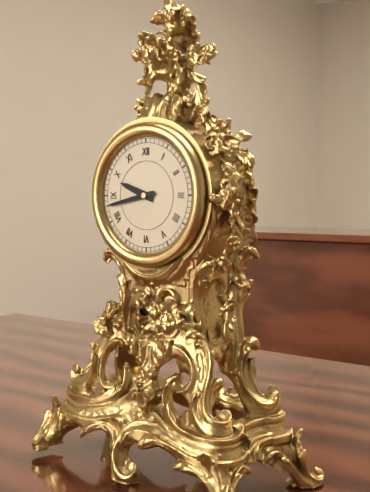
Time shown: **9:43**
